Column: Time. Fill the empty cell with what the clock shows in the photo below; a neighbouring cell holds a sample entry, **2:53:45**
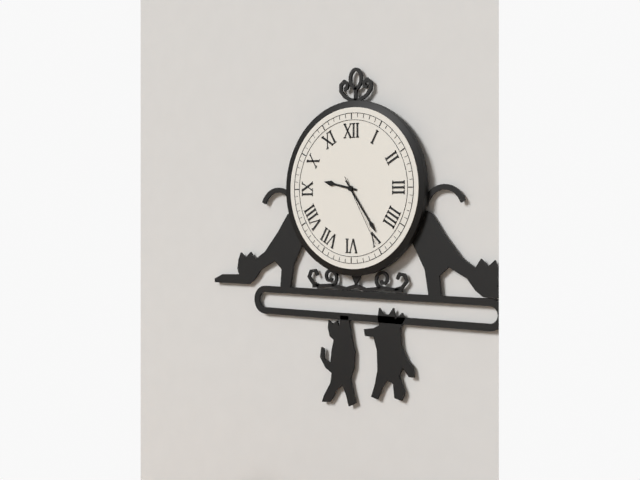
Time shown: **9:24:25**
